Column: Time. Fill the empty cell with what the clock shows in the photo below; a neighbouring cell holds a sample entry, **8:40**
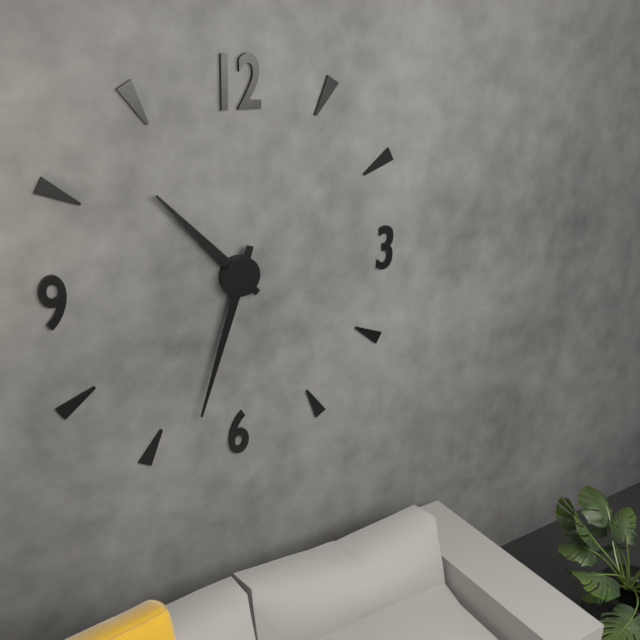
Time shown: **10:33**
